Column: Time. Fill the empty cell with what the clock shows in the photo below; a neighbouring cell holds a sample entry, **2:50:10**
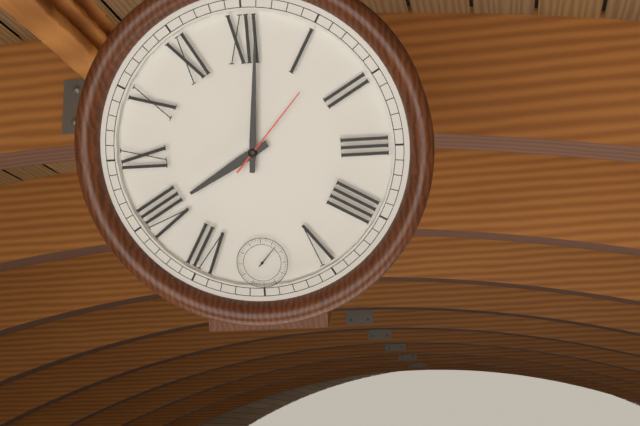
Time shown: **8:01:07**
